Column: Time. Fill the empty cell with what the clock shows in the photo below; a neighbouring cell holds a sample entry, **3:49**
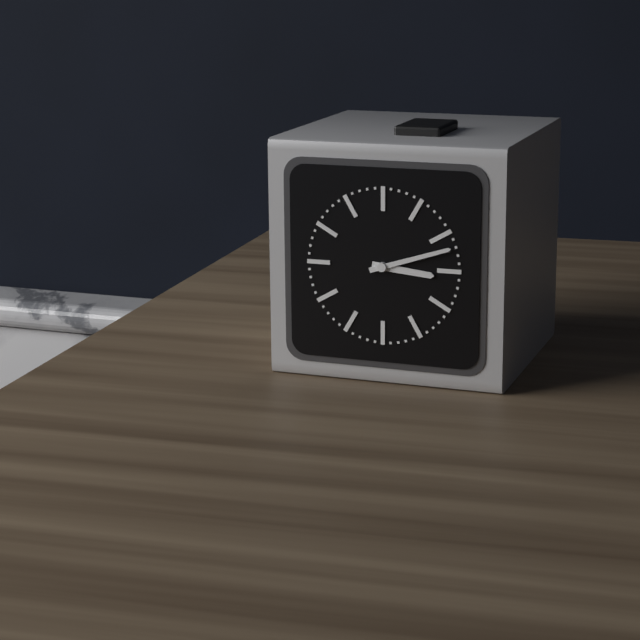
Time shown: **3:12**
